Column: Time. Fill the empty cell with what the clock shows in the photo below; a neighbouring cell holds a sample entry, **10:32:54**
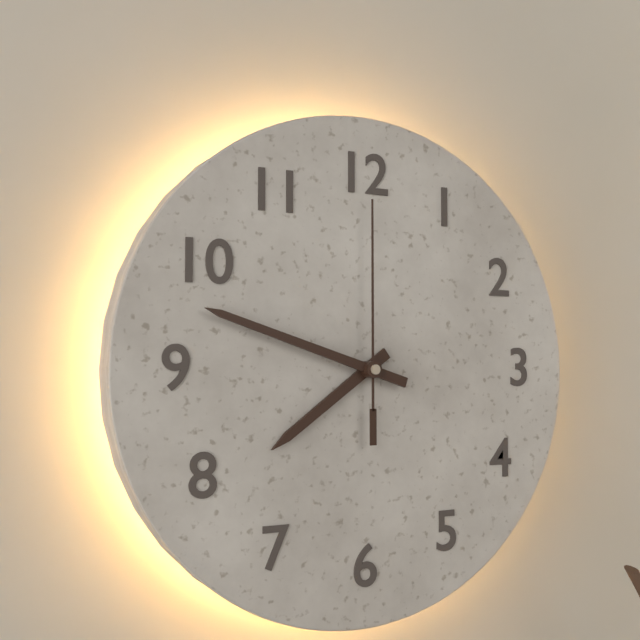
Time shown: **7:48:00**
